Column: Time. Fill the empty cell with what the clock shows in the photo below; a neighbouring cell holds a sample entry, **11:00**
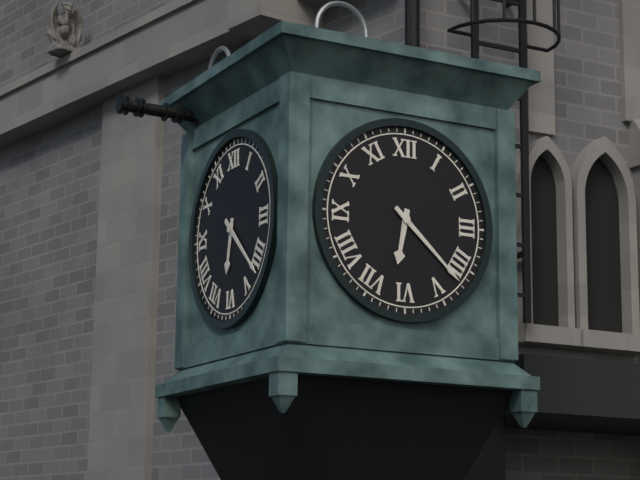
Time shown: **6:22**
